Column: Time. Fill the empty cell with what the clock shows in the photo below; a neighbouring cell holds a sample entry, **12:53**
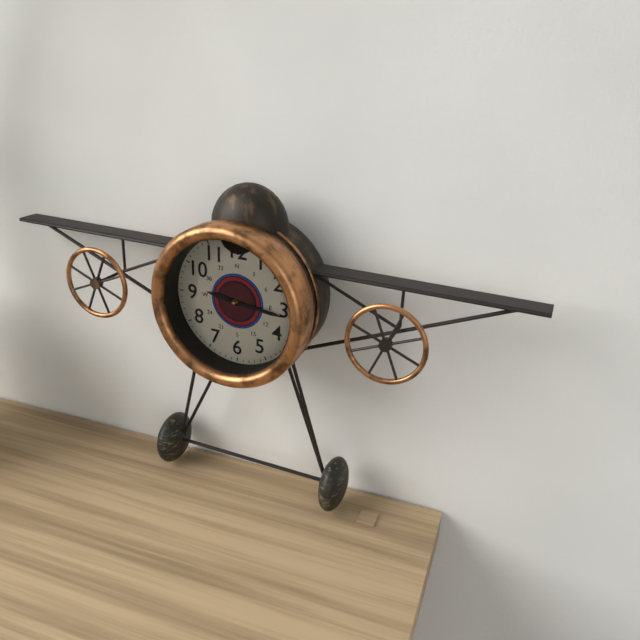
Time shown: **9:16**
